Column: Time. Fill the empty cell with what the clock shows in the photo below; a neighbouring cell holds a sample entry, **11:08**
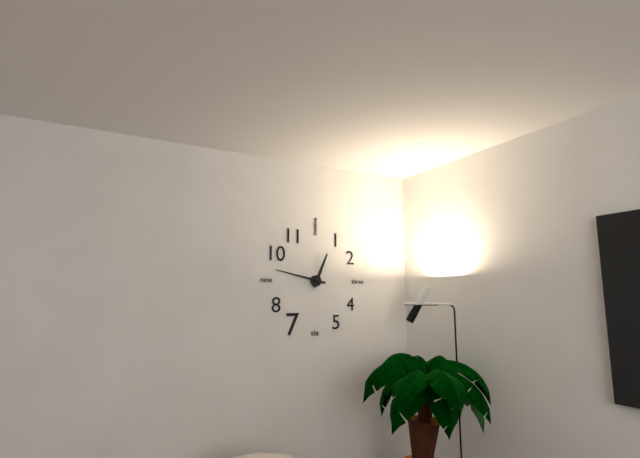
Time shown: **12:47**
